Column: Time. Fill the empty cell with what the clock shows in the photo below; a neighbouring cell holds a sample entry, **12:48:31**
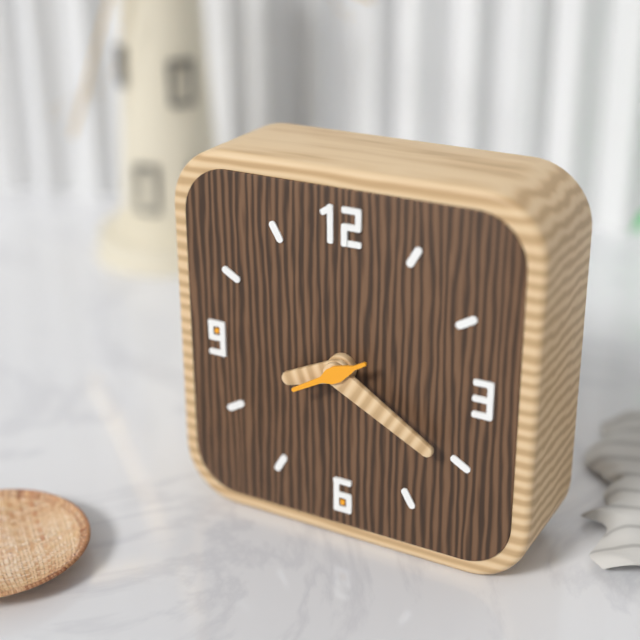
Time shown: **8:20:40**
